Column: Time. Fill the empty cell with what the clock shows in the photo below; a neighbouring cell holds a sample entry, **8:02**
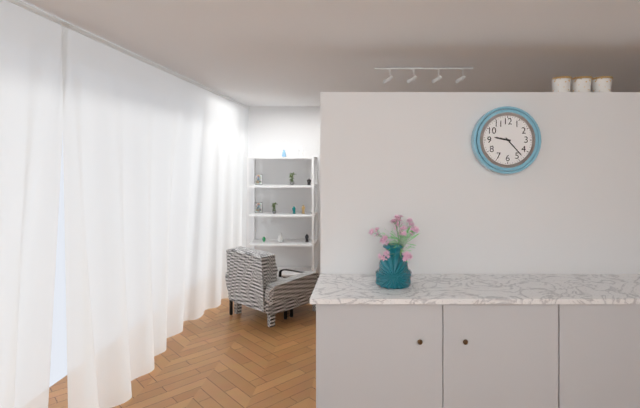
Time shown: **9:23**
